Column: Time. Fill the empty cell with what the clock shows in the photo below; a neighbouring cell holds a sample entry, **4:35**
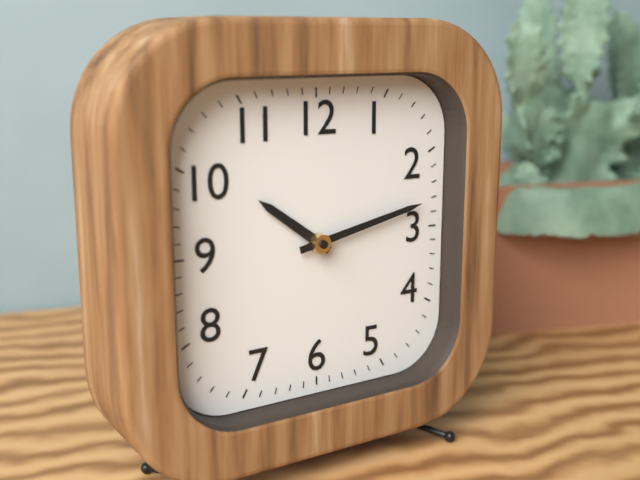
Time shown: **10:13**
